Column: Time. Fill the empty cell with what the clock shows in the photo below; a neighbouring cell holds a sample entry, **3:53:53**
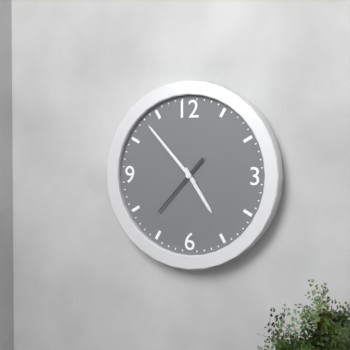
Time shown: **4:53:37**
